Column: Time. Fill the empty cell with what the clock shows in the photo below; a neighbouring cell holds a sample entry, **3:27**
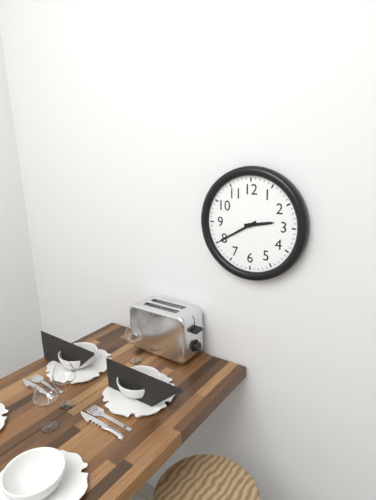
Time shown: **2:40**
